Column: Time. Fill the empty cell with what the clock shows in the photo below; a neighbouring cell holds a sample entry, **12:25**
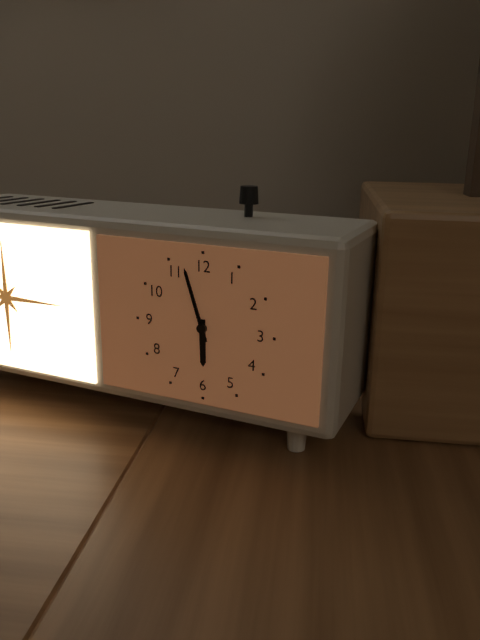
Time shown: **5:57**
